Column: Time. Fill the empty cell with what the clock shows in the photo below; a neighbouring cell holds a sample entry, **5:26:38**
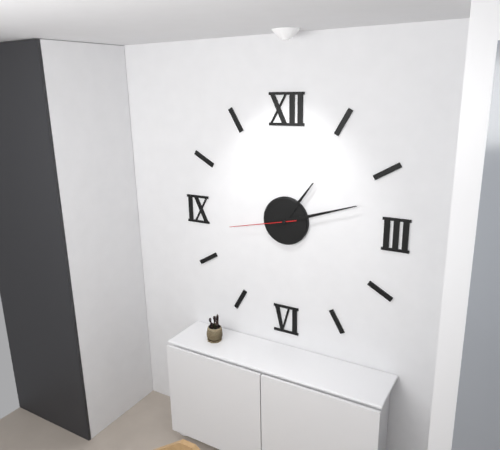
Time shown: **1:12:43**
